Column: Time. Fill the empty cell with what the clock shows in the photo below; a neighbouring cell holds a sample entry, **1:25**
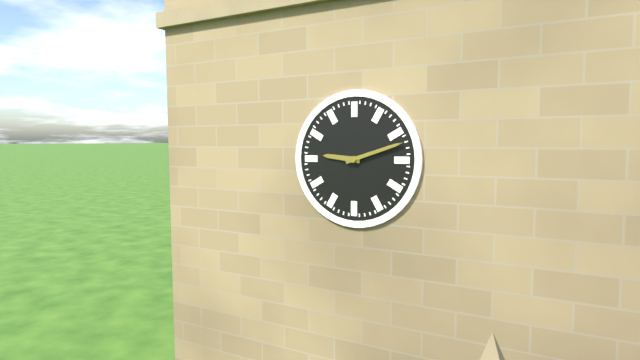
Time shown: **9:12**
